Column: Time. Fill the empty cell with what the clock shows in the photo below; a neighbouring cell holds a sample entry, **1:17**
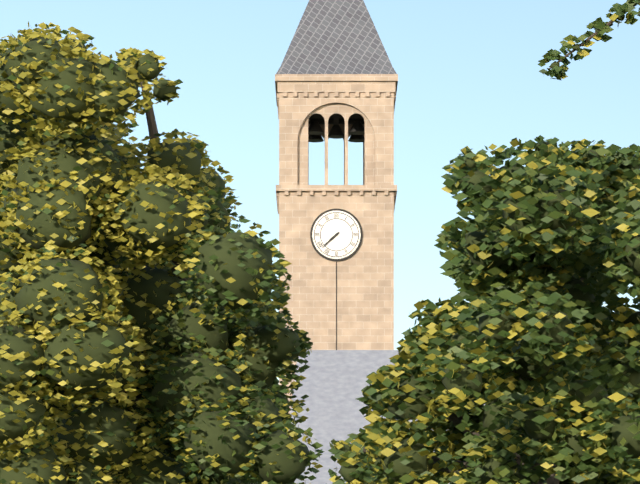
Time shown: **7:38**
